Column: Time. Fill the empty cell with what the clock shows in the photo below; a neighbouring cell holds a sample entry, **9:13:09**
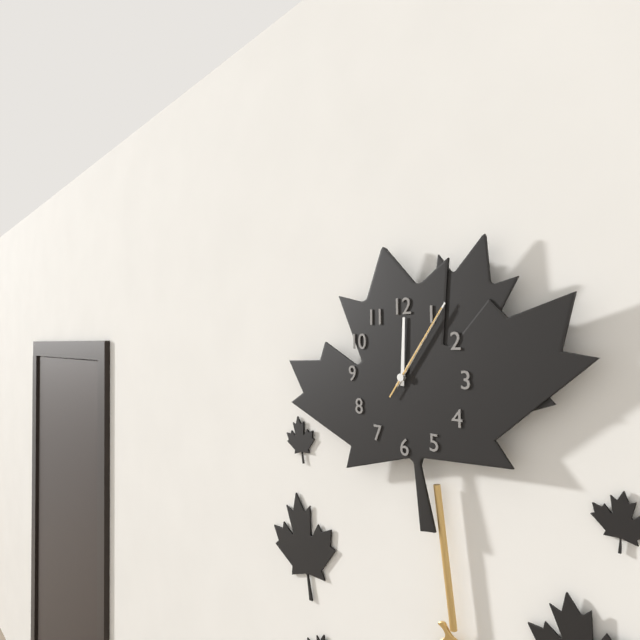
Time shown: **12:06:06**
